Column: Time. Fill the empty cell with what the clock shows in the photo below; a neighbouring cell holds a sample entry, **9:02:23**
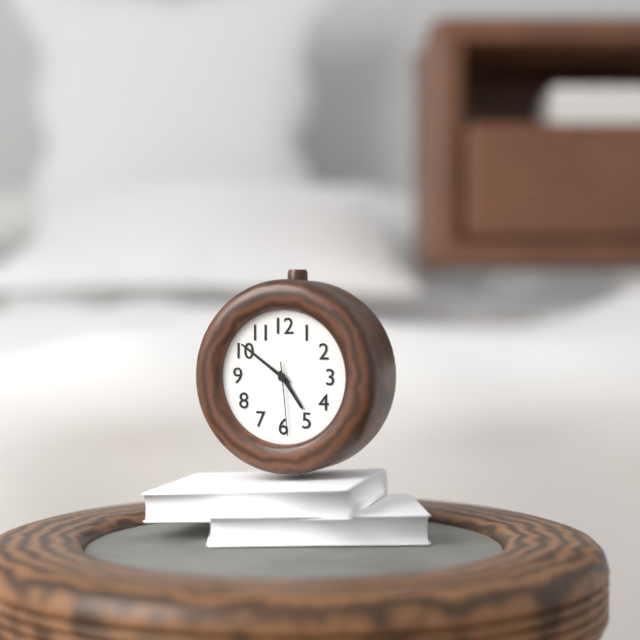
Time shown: **4:51:29**
